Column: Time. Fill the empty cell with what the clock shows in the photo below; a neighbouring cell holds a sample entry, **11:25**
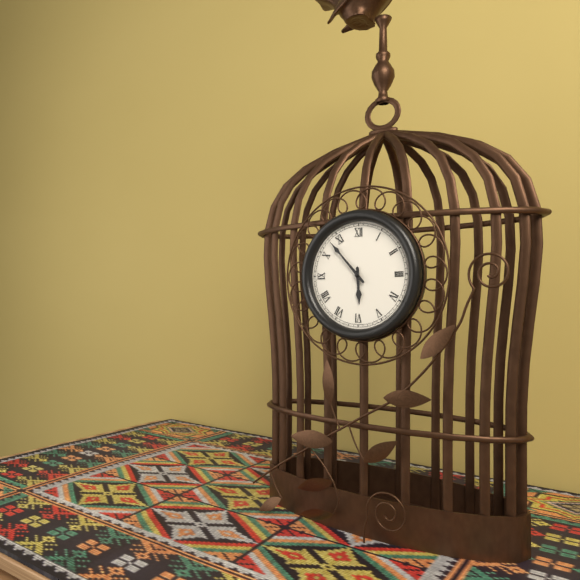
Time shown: **5:53**
